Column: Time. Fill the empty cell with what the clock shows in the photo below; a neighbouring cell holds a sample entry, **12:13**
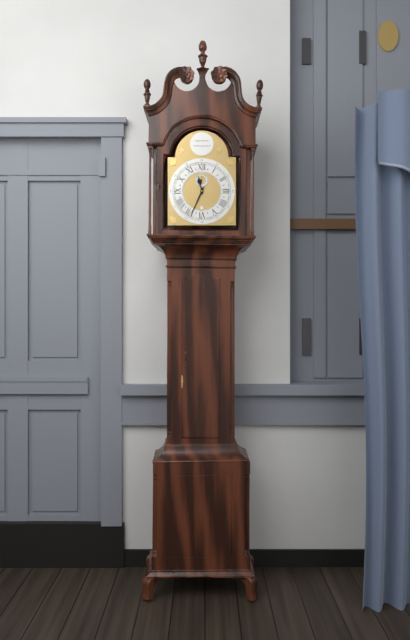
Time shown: **11:34**
